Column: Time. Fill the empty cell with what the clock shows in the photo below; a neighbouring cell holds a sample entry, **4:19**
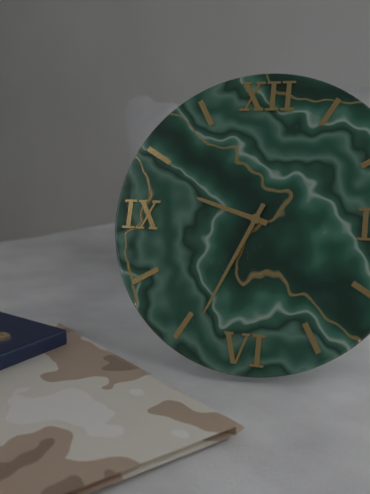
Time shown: **9:34**
